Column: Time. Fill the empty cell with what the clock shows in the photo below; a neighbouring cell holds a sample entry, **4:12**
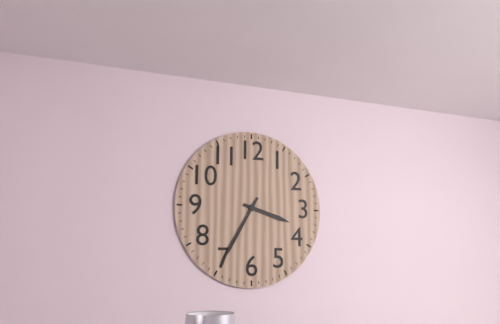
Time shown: **3:35**
